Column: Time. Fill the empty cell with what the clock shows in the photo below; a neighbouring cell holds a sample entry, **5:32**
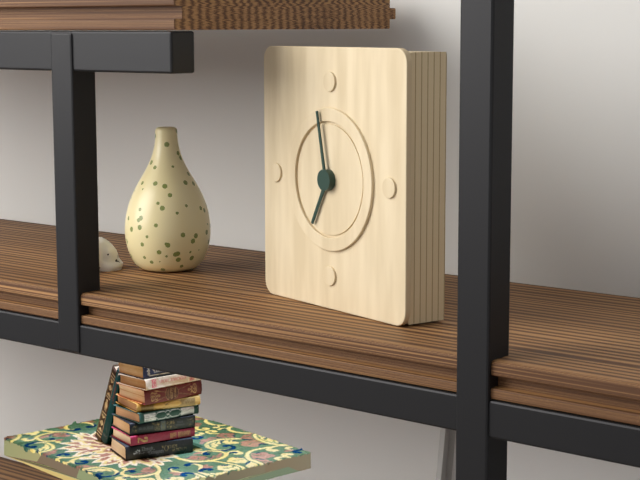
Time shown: **6:58**
